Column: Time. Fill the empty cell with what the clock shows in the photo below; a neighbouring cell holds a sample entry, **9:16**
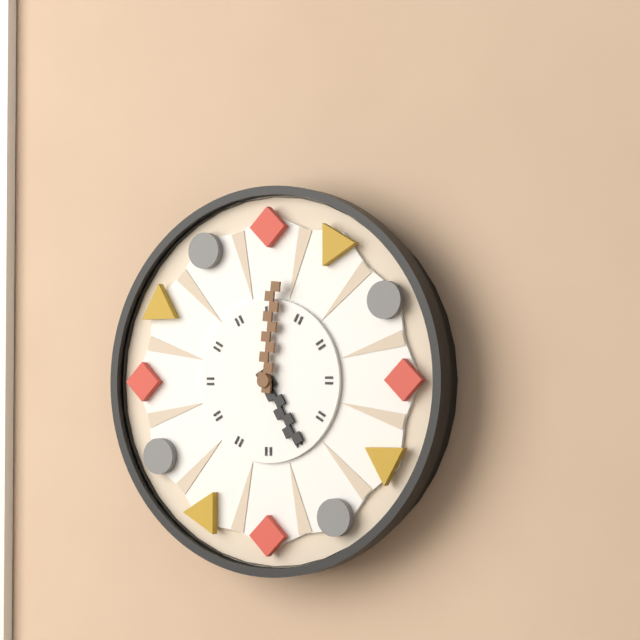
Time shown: **5:01**
